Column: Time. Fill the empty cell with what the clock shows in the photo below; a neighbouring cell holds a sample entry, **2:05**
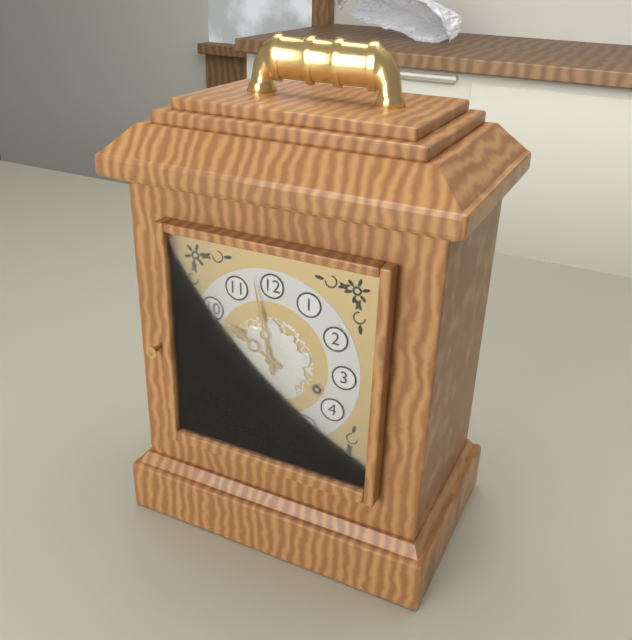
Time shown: **9:58**
